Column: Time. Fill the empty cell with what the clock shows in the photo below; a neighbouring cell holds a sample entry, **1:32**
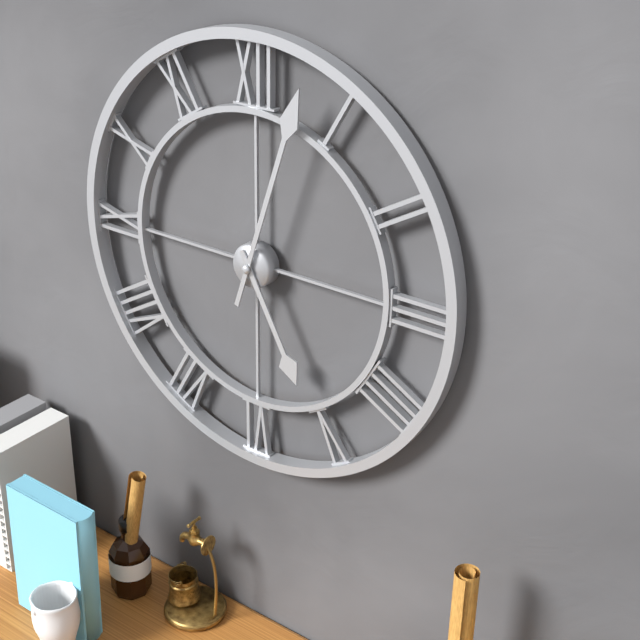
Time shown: **5:03**
